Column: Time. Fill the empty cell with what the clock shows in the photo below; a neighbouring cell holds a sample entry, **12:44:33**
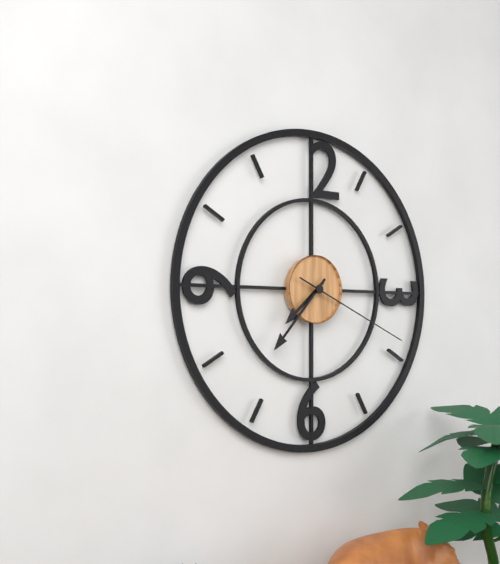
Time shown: **7:37:19**
